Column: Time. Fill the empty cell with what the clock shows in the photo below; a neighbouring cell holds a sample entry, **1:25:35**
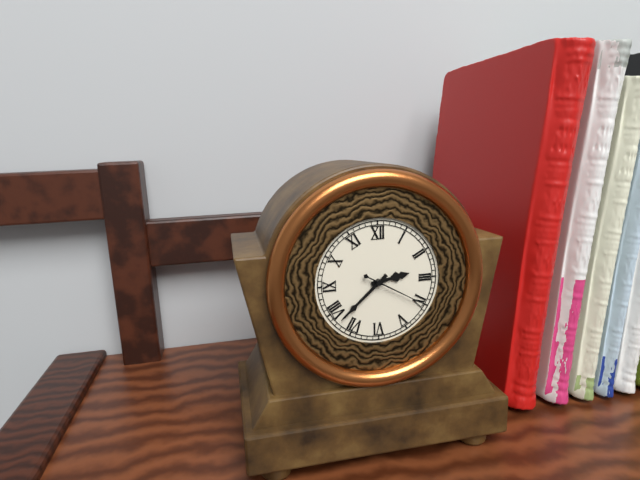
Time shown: **2:38:20**
